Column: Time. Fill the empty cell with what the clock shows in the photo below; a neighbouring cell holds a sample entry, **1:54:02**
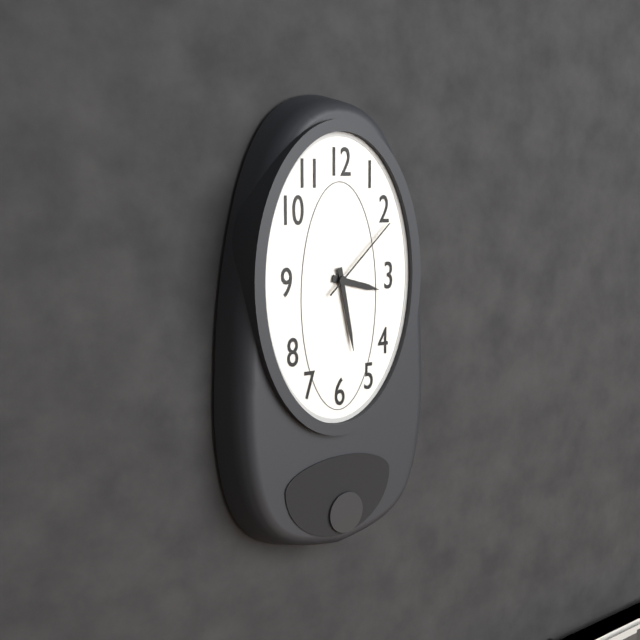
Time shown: **3:28:08**
